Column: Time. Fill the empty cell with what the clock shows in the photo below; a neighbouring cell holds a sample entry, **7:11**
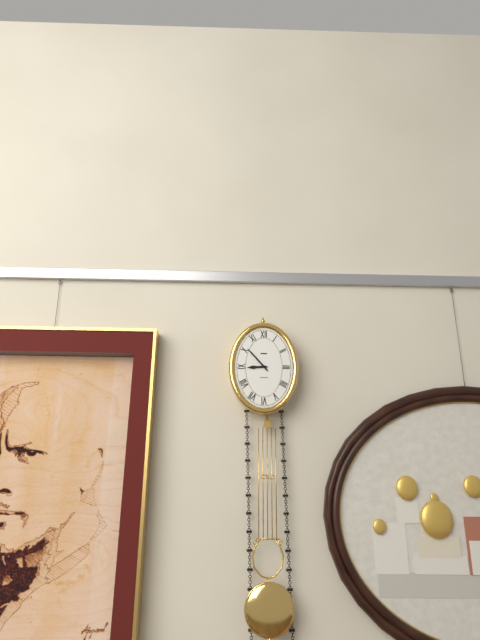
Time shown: **8:53**
